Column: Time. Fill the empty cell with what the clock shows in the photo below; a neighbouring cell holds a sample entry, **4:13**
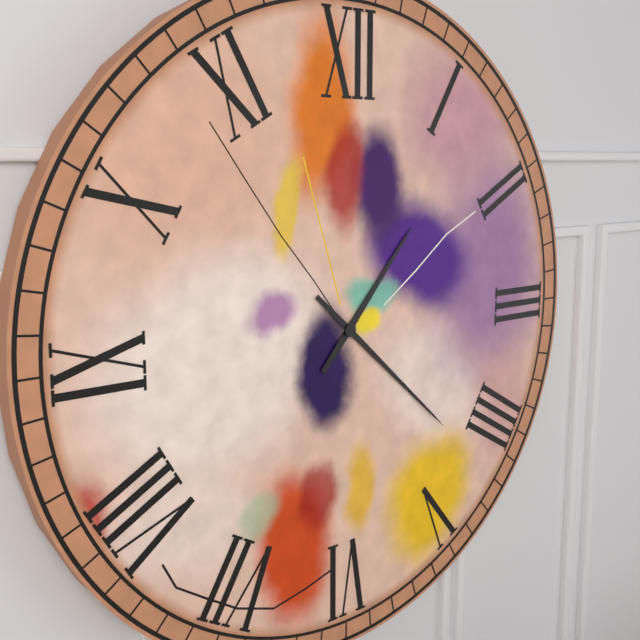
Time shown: **1:22**
